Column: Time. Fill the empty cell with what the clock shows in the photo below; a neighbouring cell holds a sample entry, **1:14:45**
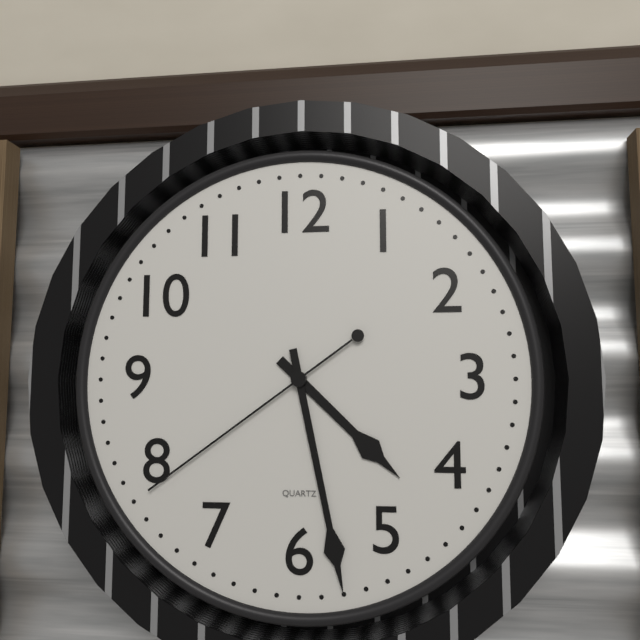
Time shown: **4:28:39**
